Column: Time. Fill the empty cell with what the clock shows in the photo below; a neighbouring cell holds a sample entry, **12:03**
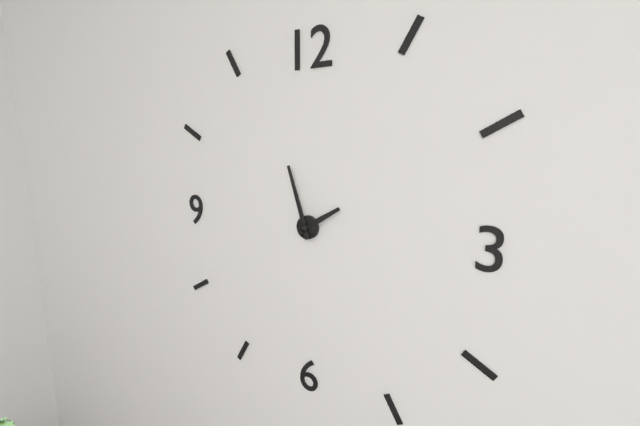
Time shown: **1:57**
